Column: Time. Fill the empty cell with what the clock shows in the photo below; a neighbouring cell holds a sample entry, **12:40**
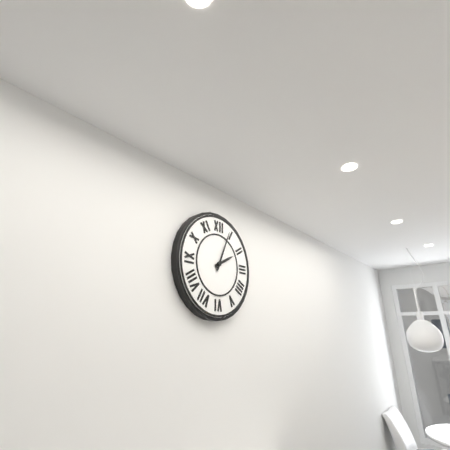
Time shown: **2:04**
